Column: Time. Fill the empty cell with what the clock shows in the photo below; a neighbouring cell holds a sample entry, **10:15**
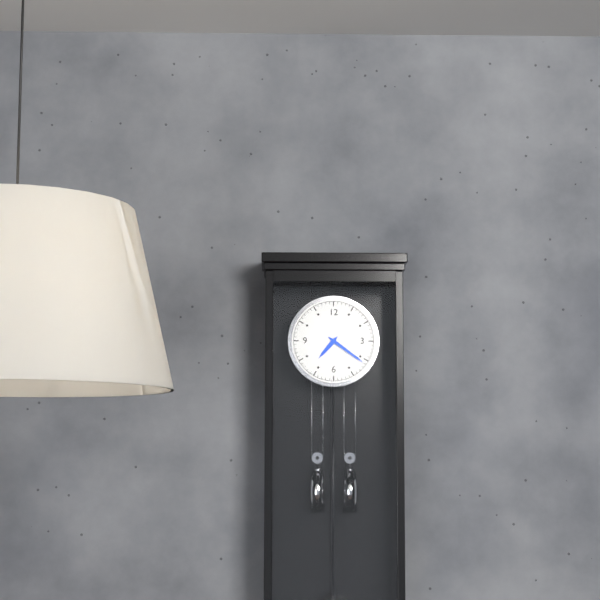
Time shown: **7:21**
